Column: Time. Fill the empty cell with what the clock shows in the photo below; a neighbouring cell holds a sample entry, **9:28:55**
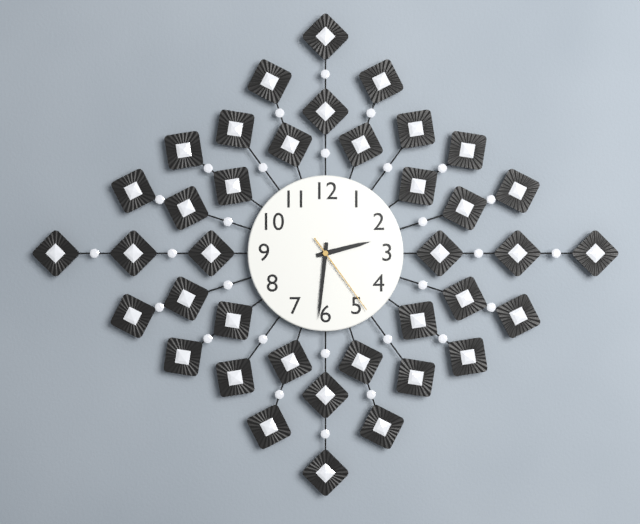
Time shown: **2:31:24**
